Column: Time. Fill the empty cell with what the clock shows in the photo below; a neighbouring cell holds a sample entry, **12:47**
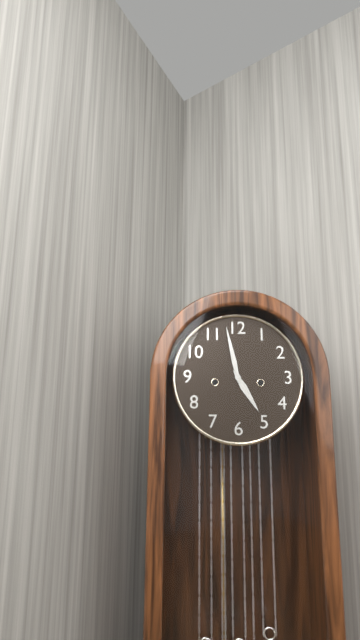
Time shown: **4:58**
